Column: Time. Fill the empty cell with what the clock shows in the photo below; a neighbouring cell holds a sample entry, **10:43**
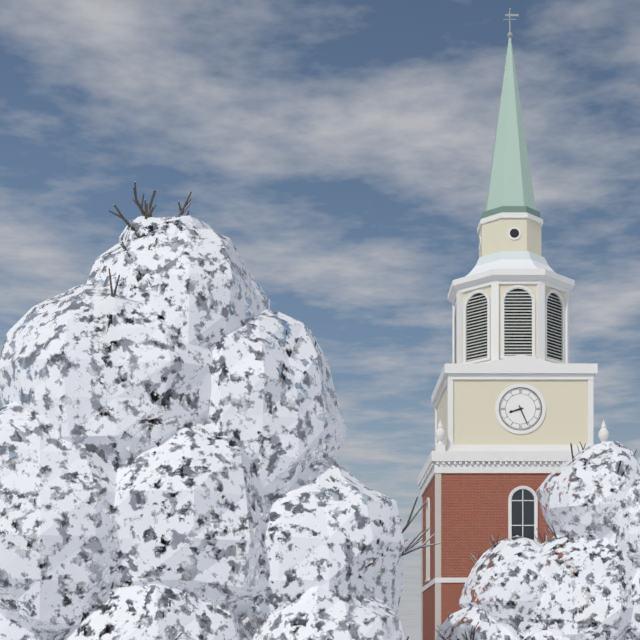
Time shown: **8:26**
